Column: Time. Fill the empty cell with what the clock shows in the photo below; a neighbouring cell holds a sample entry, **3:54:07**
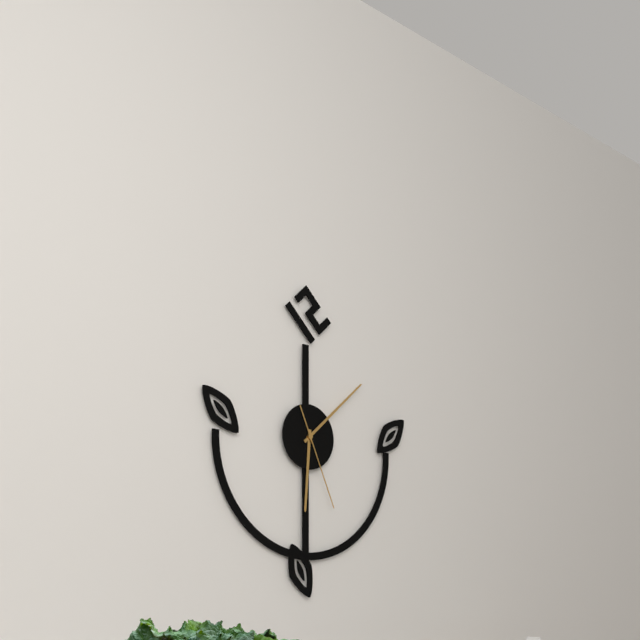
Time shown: **6:08:26**
